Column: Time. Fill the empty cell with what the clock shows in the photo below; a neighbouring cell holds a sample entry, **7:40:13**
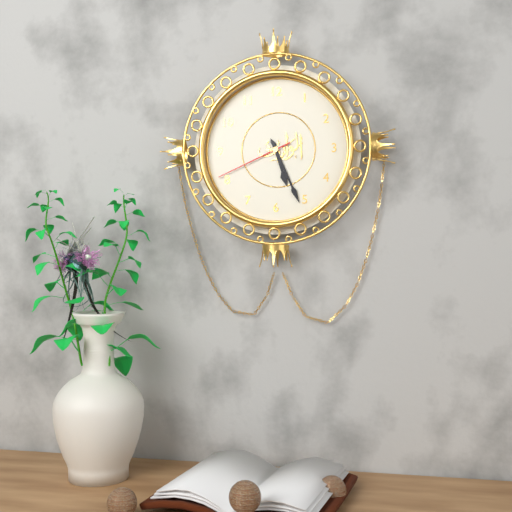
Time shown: **5:26:41**
